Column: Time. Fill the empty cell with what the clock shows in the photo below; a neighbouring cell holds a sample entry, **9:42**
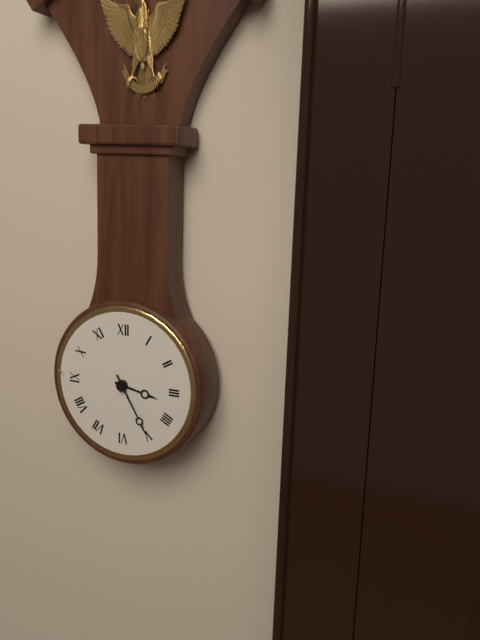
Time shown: **3:25**
